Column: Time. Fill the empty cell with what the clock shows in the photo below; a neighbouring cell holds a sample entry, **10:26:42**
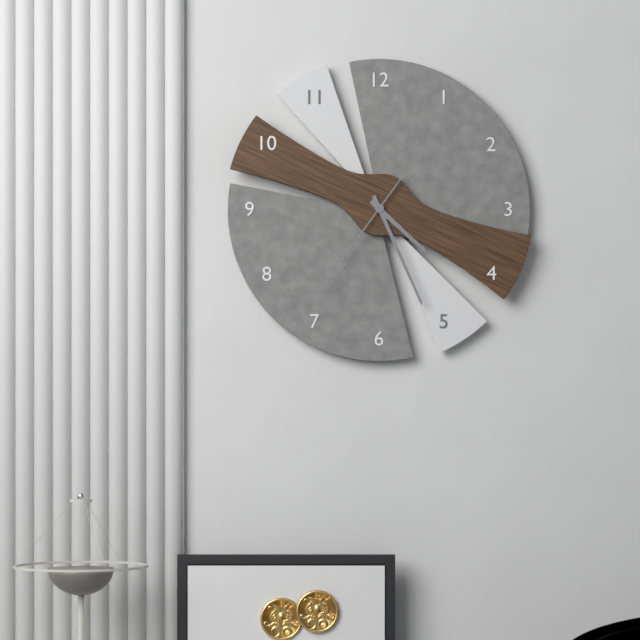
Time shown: **4:26:36**
